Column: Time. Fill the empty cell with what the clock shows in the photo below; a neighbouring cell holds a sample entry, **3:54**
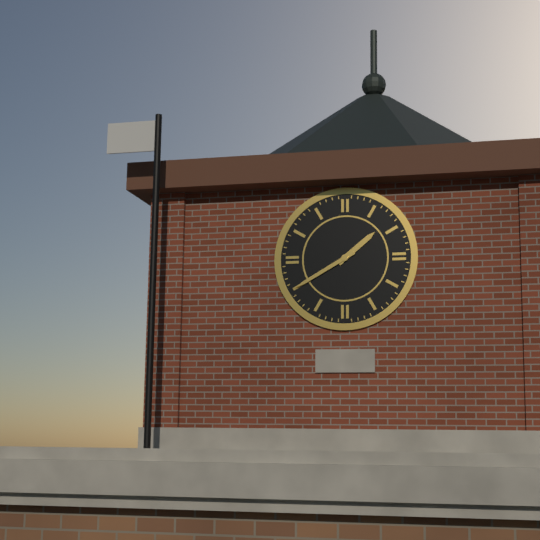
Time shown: **1:40**
